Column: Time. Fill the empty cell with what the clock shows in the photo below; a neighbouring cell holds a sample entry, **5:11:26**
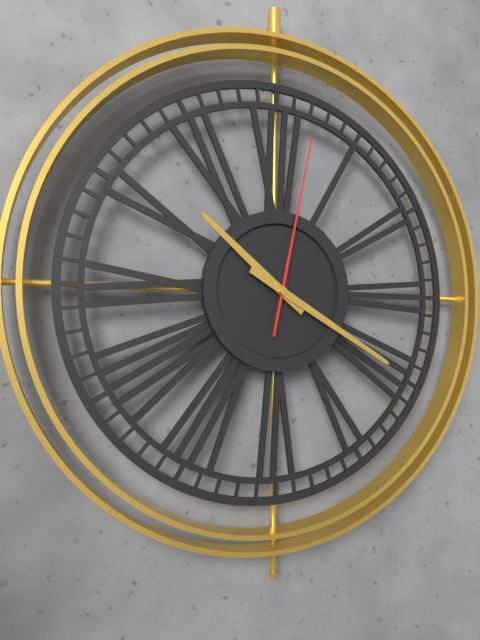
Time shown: **10:20:02**
